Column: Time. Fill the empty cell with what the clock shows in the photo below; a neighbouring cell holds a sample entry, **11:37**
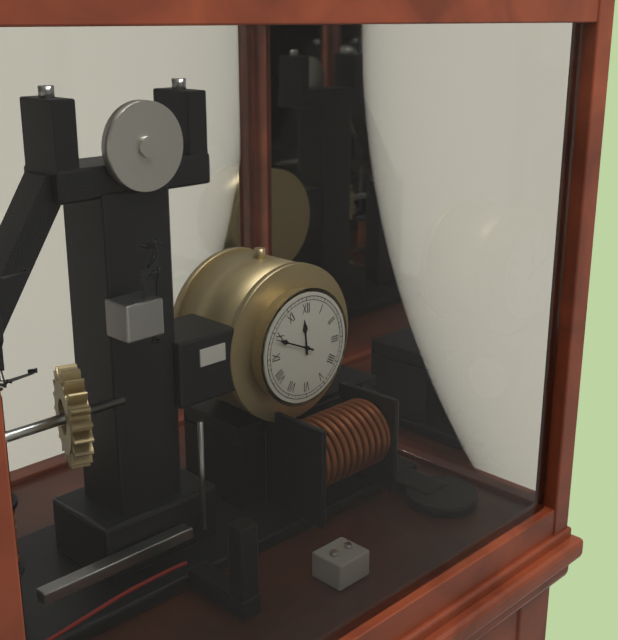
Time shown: **11:49**
